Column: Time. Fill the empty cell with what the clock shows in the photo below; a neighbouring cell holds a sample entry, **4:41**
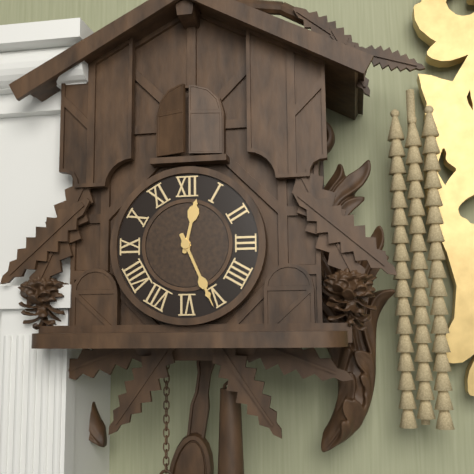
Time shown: **12:26**
